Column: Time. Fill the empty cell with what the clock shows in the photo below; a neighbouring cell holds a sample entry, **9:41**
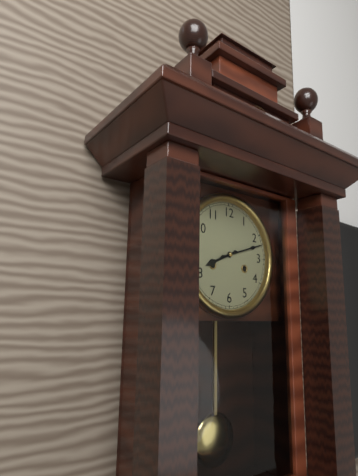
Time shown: **8:12**
